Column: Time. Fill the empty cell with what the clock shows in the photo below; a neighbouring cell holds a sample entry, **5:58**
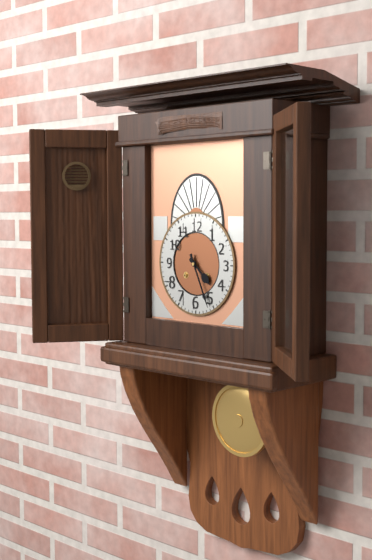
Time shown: **4:26**
